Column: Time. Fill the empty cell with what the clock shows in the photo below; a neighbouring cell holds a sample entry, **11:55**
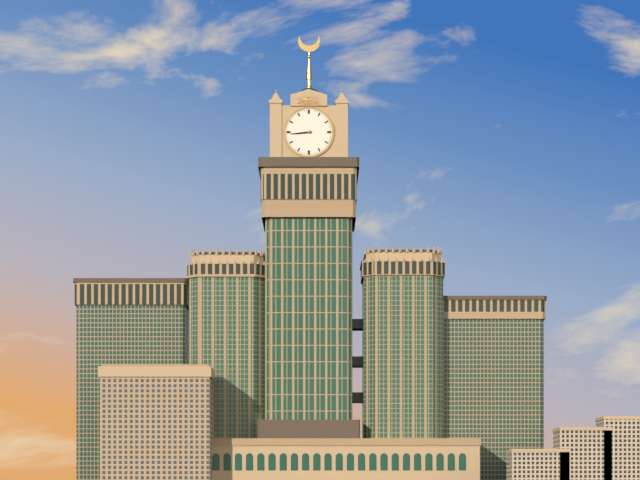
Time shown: **8:44**
